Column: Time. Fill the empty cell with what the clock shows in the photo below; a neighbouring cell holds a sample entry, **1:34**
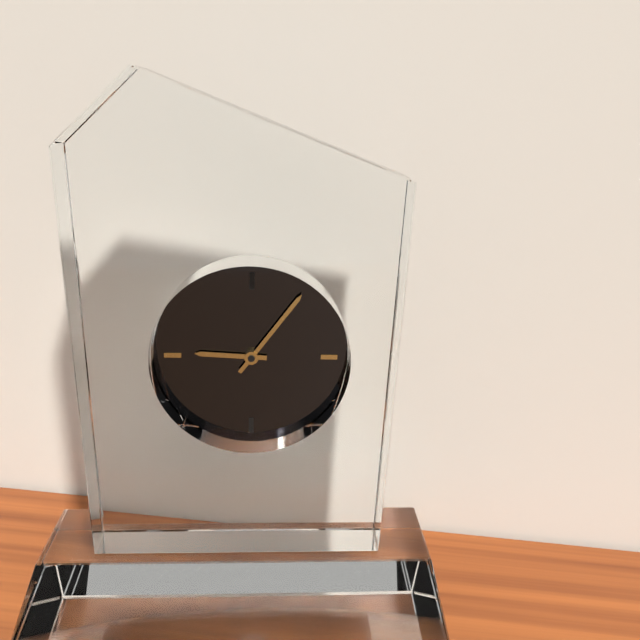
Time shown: **9:06**
